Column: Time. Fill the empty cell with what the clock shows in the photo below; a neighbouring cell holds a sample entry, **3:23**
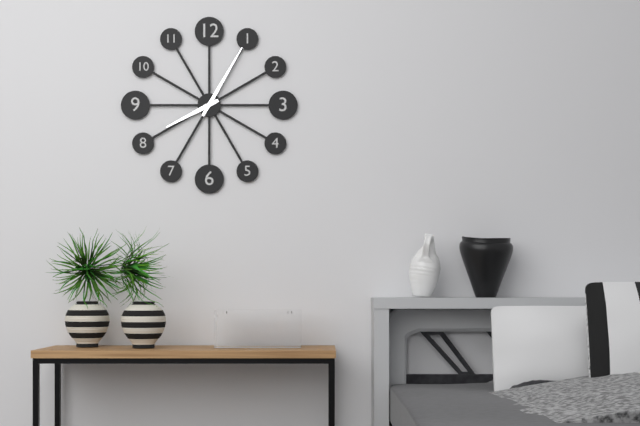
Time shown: **8:05**
